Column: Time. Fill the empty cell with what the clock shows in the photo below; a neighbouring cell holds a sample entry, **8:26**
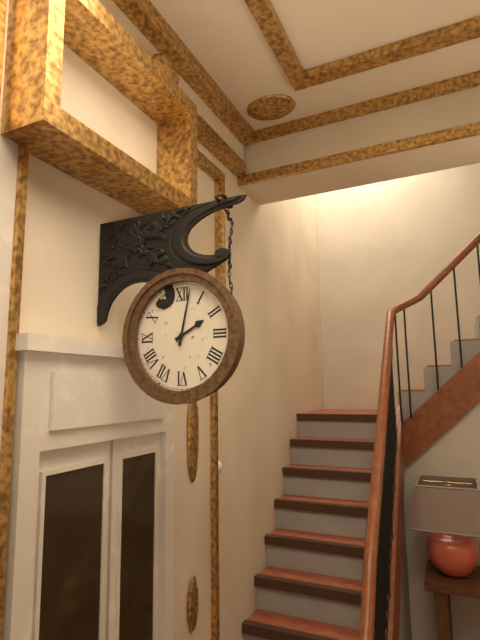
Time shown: **2:02**
